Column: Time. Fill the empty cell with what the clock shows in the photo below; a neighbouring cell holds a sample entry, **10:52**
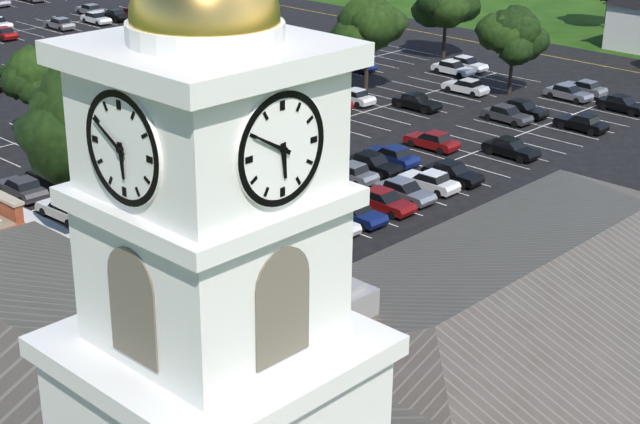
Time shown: **5:50**
